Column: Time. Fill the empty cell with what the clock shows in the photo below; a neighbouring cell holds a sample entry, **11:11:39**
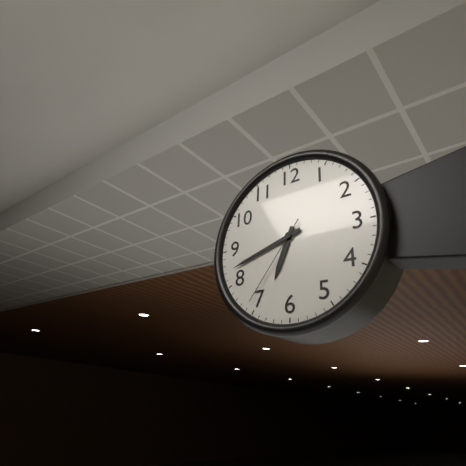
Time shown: **6:42:36**
